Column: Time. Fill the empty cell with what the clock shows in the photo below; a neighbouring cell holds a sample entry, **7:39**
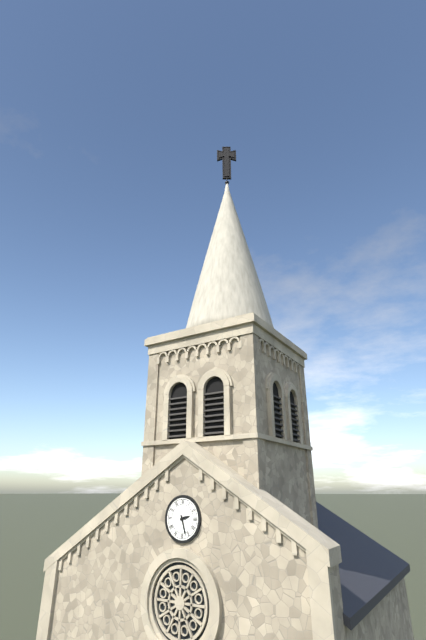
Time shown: **2:27**
